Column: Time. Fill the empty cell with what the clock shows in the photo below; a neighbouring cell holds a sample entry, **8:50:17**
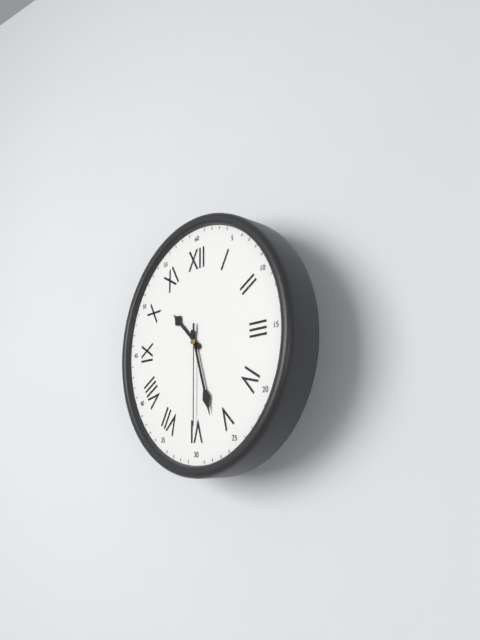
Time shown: **10:27:30**
